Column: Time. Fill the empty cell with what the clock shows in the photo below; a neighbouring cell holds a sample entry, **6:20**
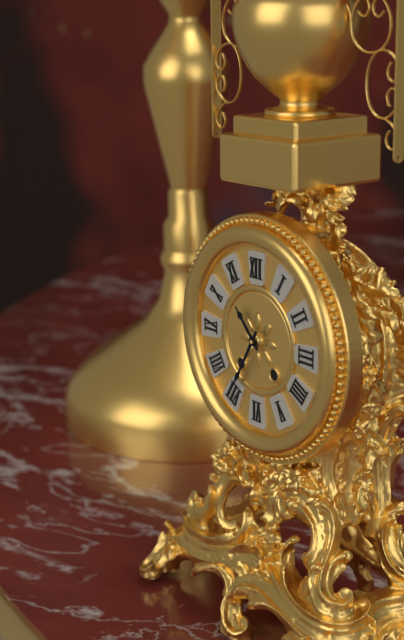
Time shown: **10:35**
